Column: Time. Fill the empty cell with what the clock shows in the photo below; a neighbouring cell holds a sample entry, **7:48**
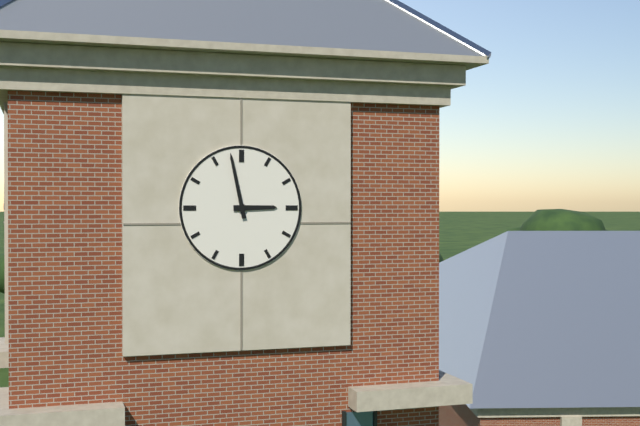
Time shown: **2:58**
